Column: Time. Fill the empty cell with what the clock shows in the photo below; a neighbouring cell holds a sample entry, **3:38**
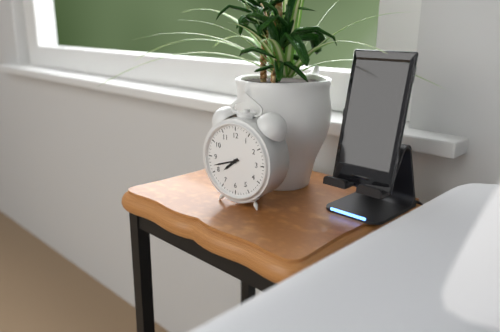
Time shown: **7:42**
